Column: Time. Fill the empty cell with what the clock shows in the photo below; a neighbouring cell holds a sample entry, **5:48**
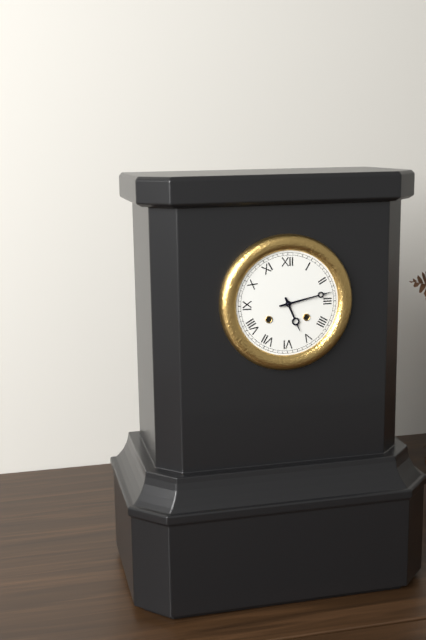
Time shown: **5:13**
